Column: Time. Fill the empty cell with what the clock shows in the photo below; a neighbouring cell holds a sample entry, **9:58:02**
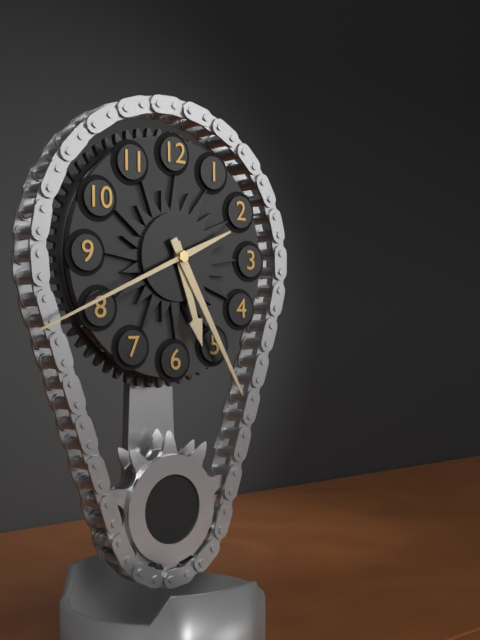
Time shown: **5:25:41**
